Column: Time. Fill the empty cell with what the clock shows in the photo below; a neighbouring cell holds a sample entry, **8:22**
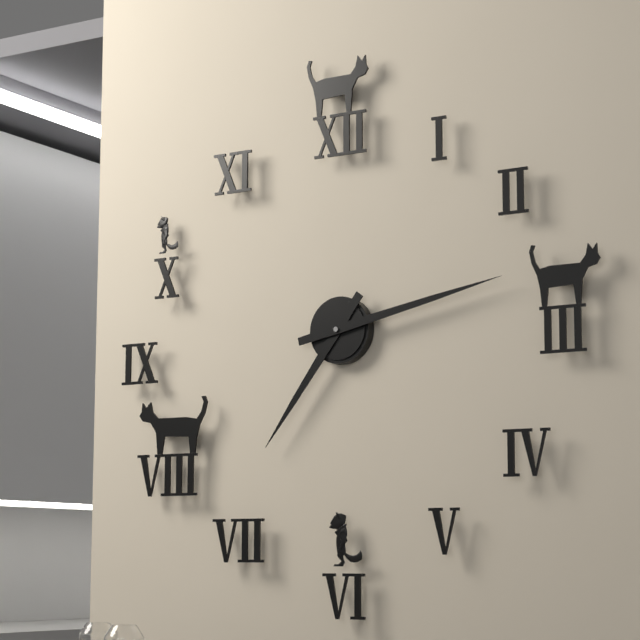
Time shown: **7:13**
